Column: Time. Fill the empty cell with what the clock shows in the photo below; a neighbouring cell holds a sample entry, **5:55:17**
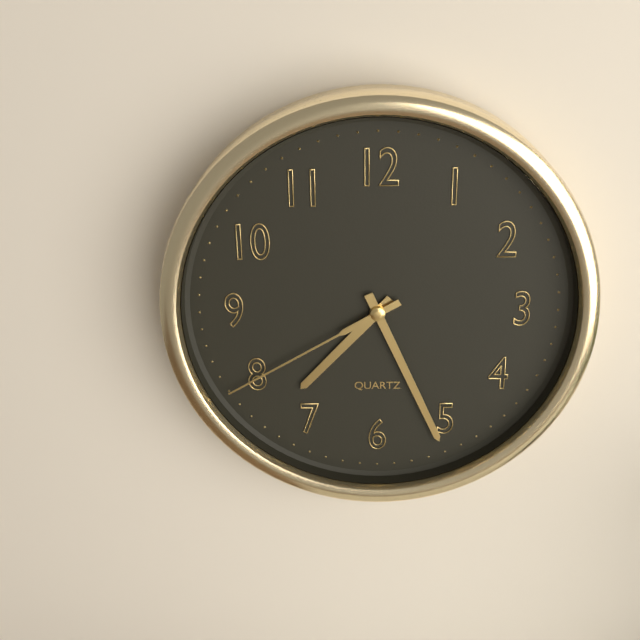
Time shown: **7:26:40**
